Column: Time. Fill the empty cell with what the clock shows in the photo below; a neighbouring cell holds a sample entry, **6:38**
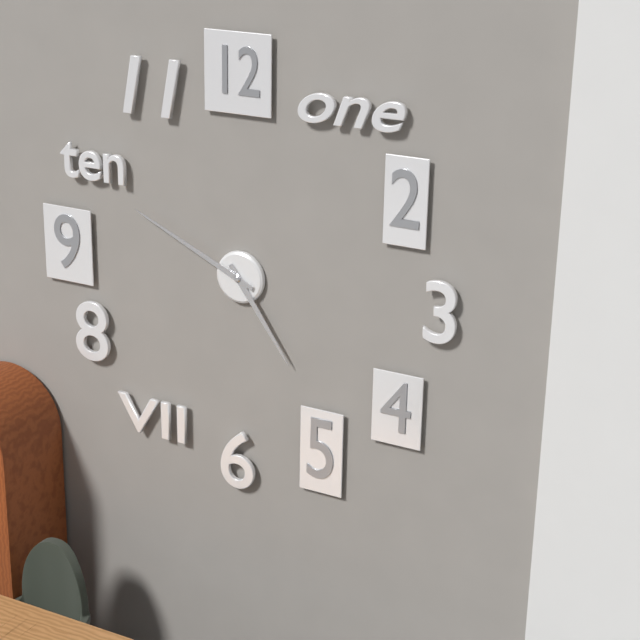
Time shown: **4:49**
